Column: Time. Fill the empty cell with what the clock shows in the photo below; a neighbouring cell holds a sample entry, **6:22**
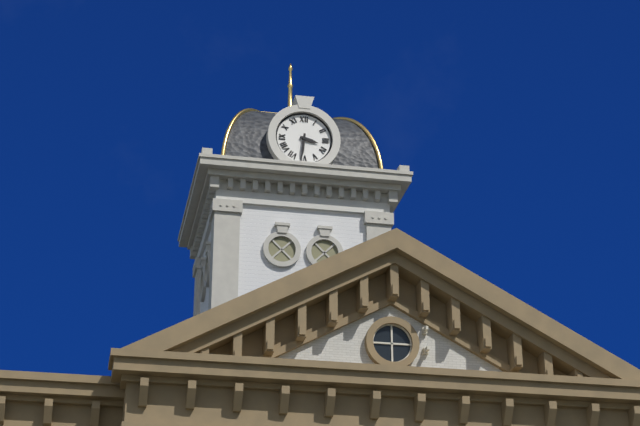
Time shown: **3:31**
